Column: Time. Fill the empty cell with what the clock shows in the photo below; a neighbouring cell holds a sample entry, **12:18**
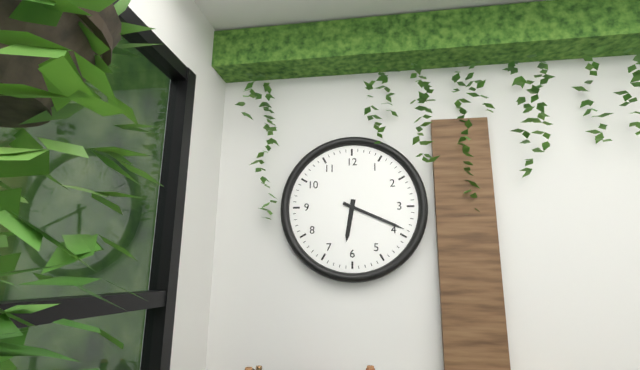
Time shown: **6:19**
